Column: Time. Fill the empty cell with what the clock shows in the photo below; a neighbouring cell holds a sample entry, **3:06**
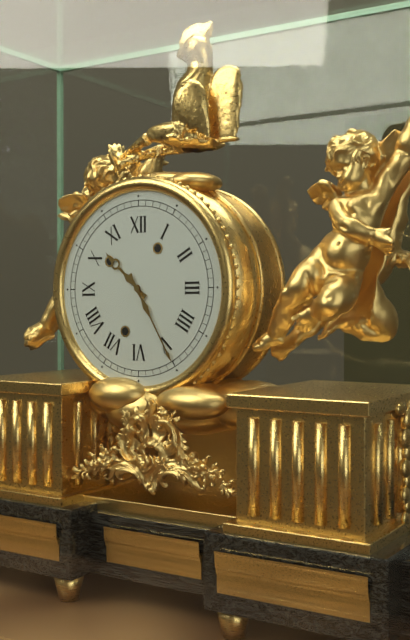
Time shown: **10:25**
